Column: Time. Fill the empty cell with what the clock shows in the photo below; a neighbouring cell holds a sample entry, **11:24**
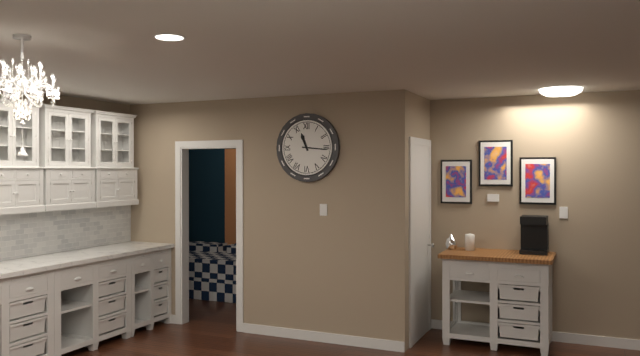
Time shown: **11:16**
